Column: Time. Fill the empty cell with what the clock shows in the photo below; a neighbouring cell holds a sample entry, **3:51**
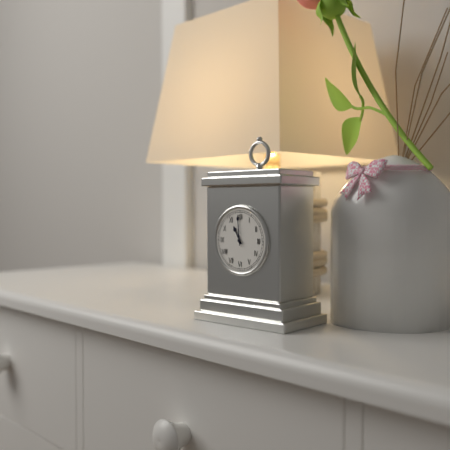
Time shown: **10:59**
